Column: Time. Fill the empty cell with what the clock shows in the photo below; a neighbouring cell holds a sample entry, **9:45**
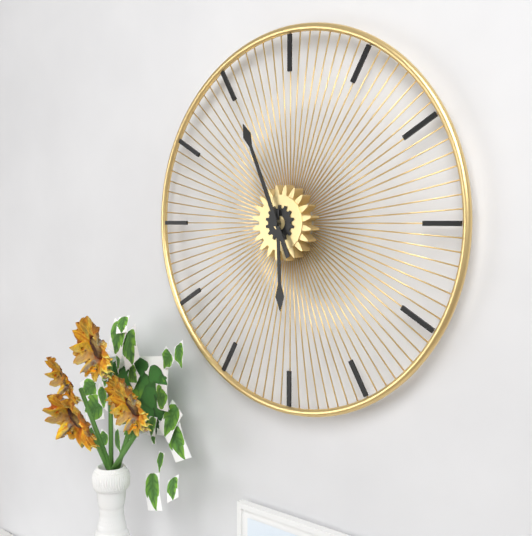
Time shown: **5:56**
